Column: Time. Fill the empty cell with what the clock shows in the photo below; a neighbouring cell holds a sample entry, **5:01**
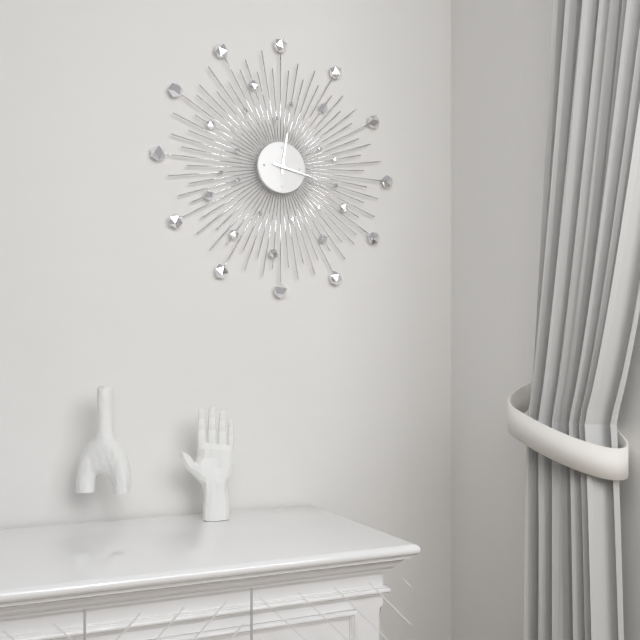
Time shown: **12:17**
